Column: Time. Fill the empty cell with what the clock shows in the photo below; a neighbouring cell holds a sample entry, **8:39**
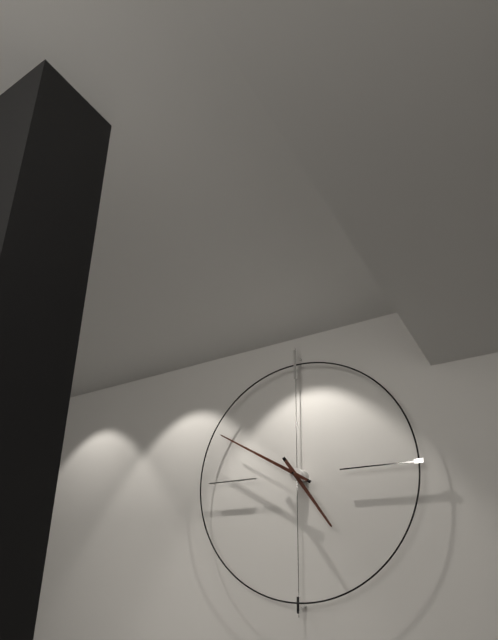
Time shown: **4:50**
